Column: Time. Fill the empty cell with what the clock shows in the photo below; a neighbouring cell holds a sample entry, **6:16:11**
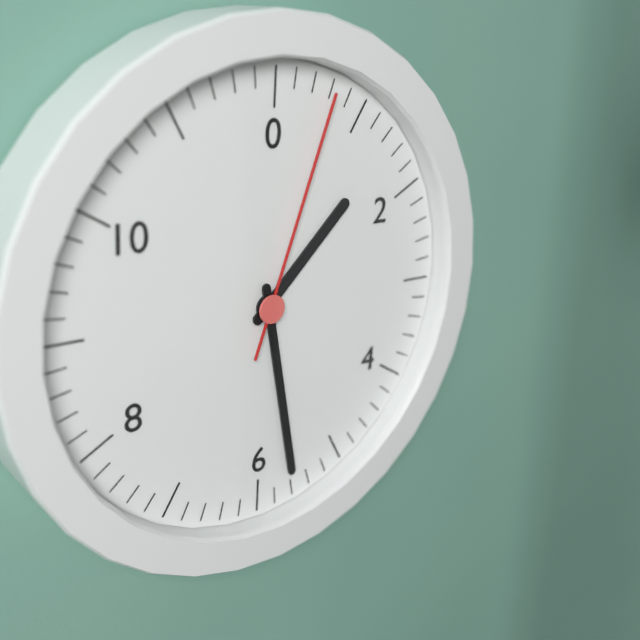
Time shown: **1:28:03**
